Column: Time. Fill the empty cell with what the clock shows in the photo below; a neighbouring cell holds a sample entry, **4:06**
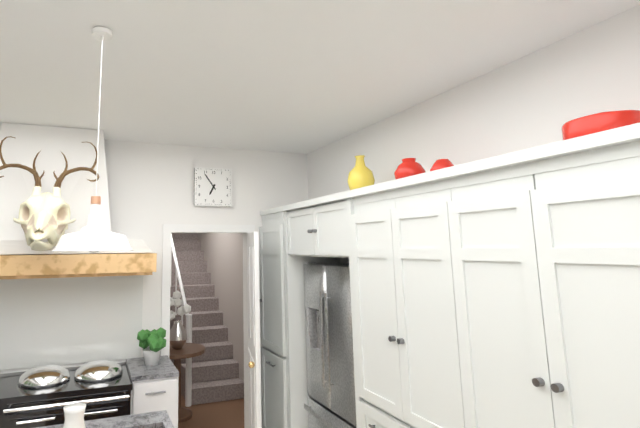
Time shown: **6:54**
